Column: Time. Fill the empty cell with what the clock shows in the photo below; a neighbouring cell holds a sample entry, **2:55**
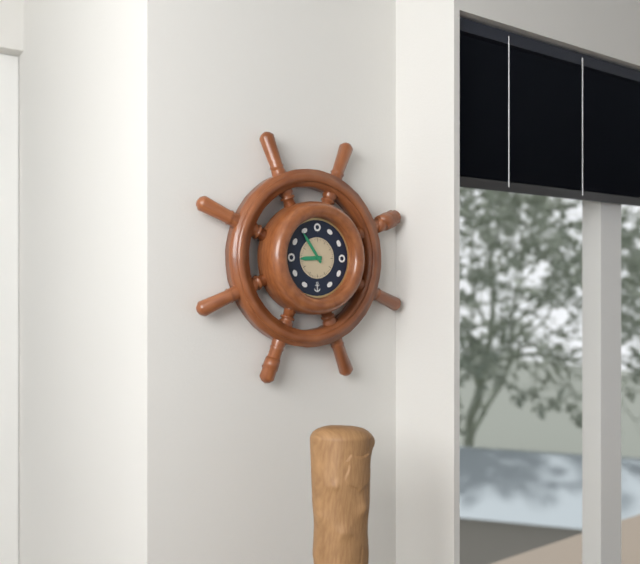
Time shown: **8:54**
